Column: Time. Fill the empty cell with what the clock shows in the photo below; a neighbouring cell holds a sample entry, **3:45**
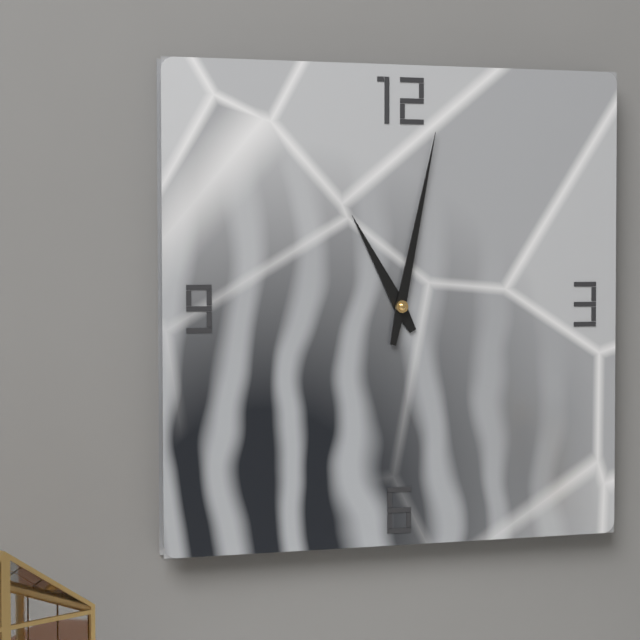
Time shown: **11:02**
